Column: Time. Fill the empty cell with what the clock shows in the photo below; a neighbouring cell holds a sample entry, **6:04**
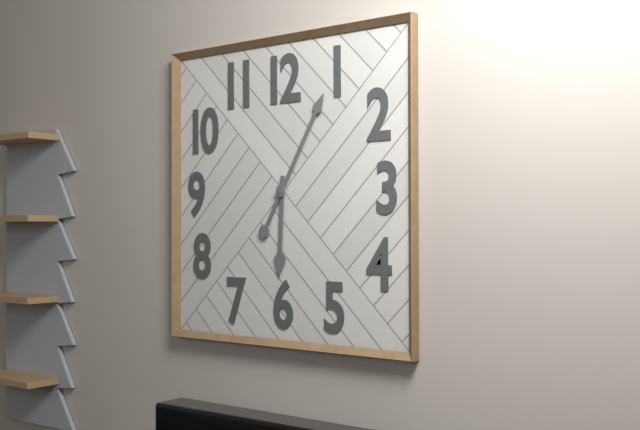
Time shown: **6:05**
